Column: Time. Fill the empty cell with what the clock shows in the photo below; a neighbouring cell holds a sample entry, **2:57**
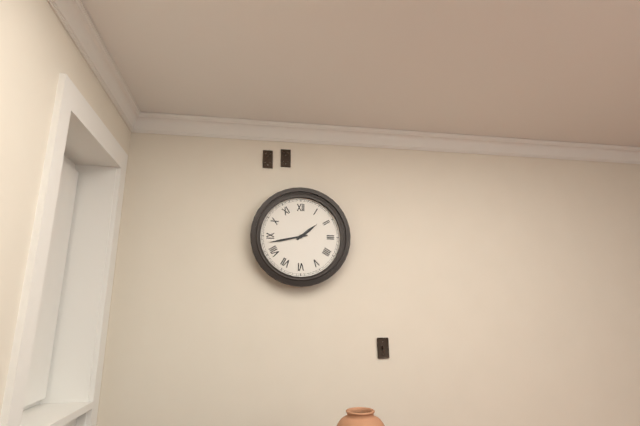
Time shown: **1:43**
